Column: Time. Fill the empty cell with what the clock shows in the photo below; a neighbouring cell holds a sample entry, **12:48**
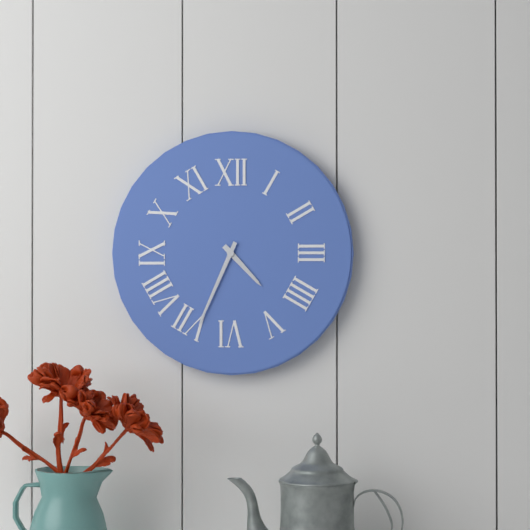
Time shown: **4:34**
